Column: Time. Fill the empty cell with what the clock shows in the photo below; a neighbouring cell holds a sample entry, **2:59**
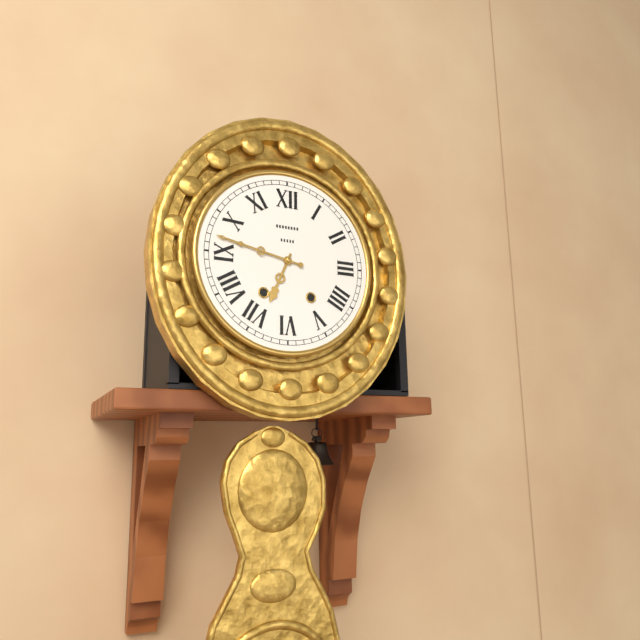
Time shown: **6:47**
